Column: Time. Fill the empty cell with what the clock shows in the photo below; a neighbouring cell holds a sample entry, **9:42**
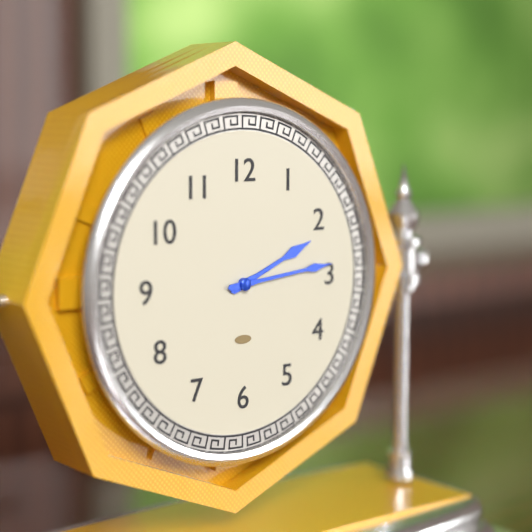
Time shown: **2:14**
